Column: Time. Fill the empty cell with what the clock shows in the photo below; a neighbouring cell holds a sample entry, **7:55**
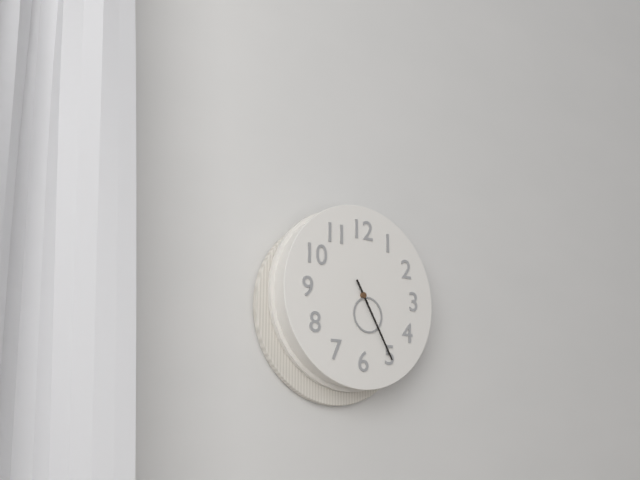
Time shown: **5:25**
